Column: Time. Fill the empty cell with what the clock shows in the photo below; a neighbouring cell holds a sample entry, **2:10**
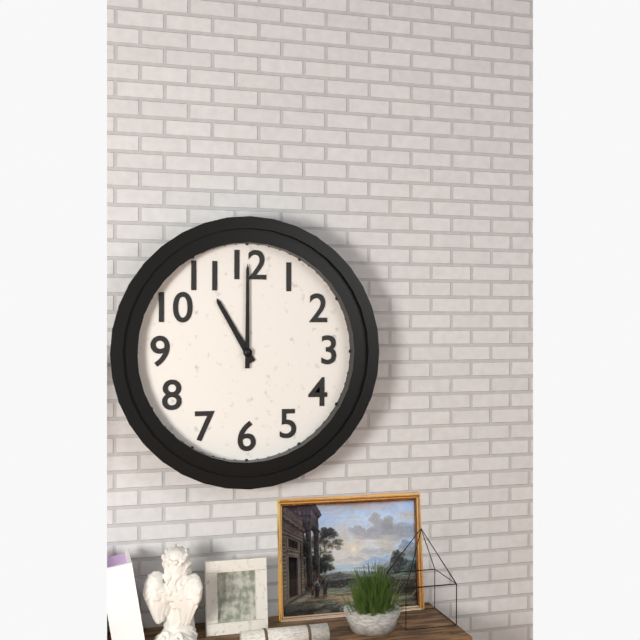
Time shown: **11:00**
